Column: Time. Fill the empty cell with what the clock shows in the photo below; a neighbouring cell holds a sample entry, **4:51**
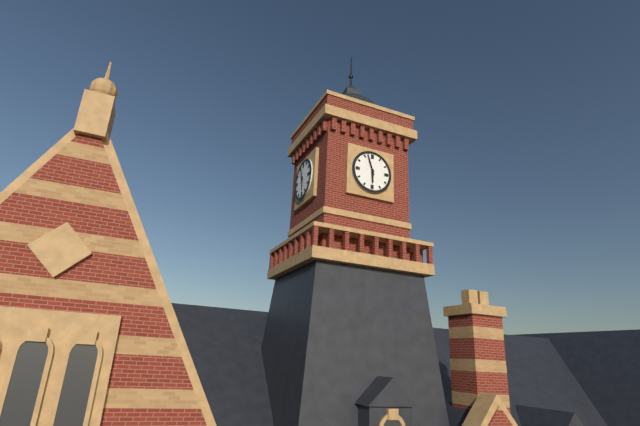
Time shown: **5:57**
